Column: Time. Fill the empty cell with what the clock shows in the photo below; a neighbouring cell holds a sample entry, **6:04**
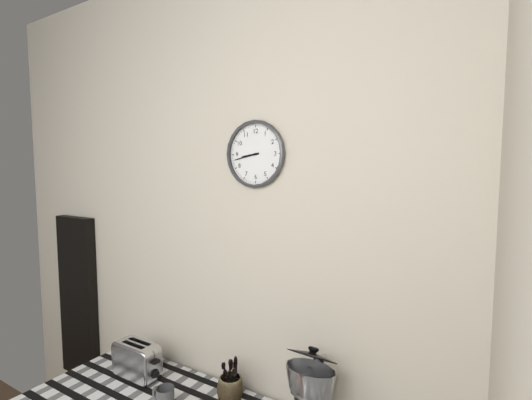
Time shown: **8:43**
